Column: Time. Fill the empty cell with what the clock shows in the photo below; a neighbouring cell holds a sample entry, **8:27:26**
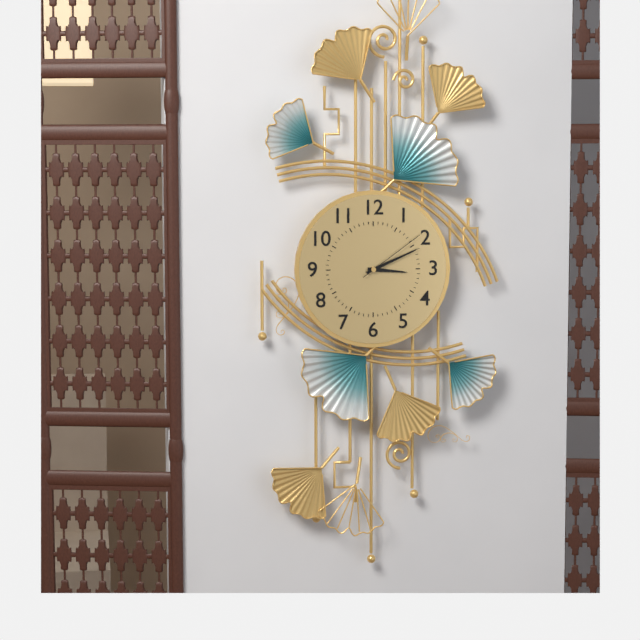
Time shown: **3:11:09**
